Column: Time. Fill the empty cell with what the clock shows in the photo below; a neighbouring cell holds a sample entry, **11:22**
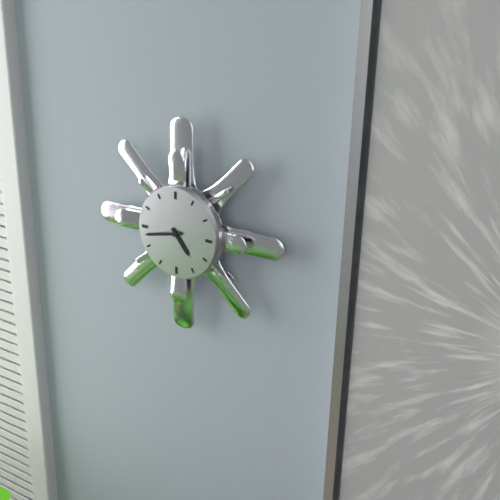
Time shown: **4:43**
